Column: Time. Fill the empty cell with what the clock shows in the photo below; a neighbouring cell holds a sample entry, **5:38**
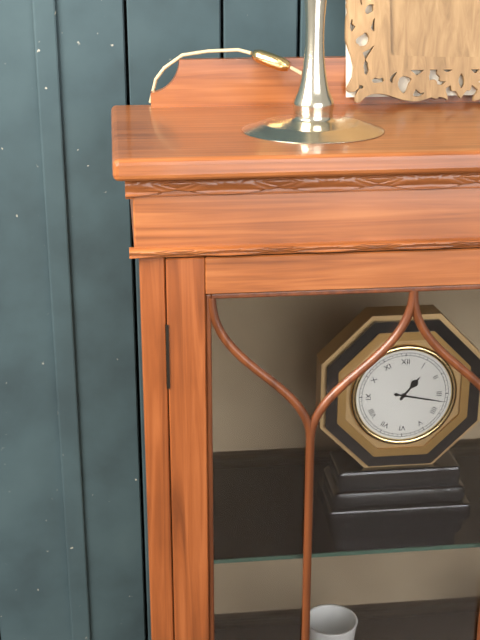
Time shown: **1:17**
